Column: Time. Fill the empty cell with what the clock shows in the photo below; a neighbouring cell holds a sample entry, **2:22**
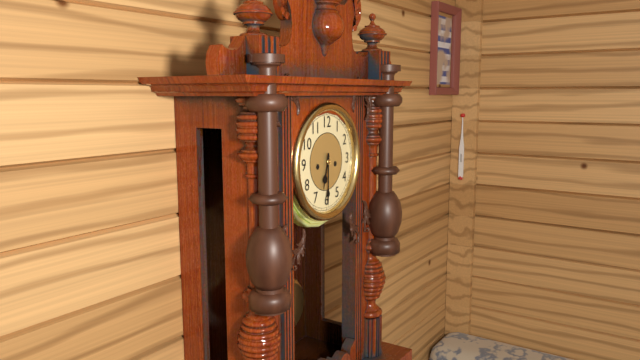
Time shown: **6:30**
